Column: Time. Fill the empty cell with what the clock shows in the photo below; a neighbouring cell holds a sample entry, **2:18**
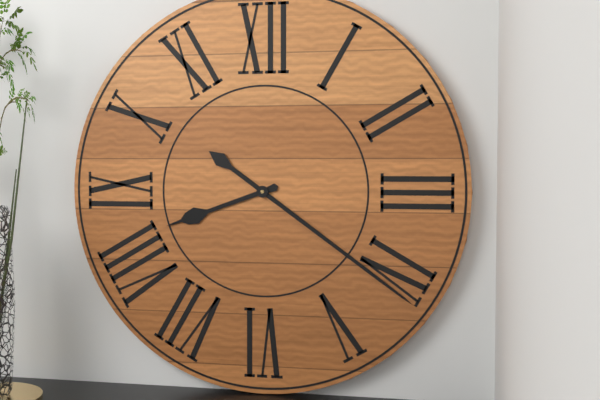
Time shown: **8:21**
